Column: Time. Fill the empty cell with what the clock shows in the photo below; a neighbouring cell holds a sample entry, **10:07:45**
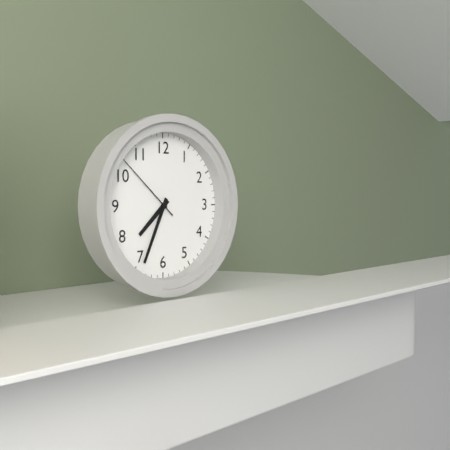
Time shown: **7:34:52**
